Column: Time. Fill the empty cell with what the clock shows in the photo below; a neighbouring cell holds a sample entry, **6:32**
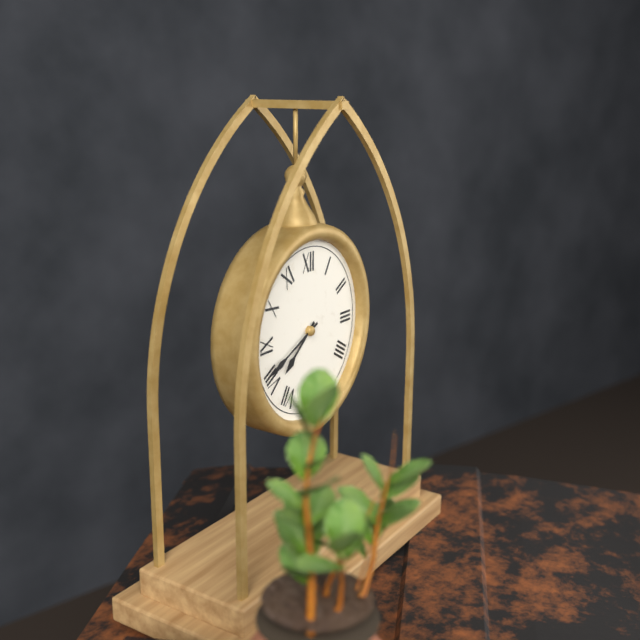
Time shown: **7:41**
